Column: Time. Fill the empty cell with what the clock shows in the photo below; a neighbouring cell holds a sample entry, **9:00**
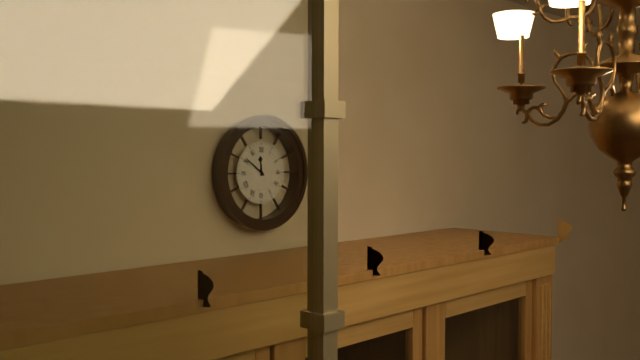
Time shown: **11:51**
